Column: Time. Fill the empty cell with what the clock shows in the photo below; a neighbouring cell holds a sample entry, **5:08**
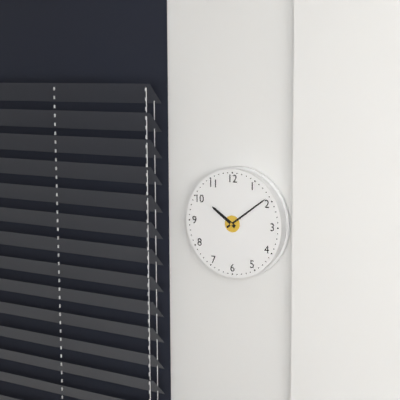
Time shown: **10:09**
